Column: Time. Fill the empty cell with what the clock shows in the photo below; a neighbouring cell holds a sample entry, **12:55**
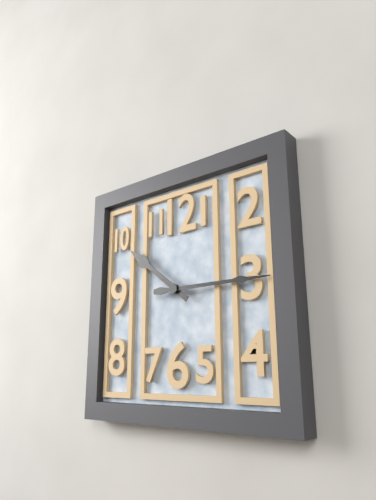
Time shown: **10:15**
